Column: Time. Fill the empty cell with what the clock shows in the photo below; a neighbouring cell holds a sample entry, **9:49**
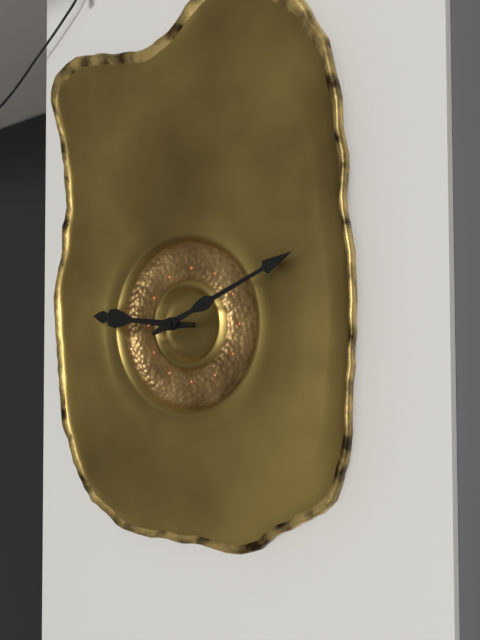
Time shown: **9:11**
